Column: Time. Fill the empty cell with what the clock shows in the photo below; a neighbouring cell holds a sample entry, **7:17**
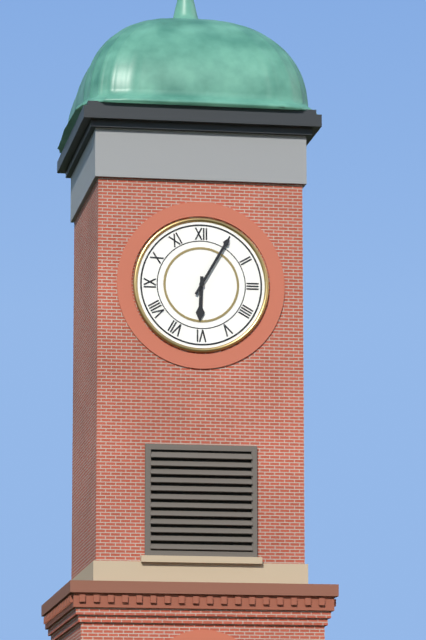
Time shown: **6:05**
